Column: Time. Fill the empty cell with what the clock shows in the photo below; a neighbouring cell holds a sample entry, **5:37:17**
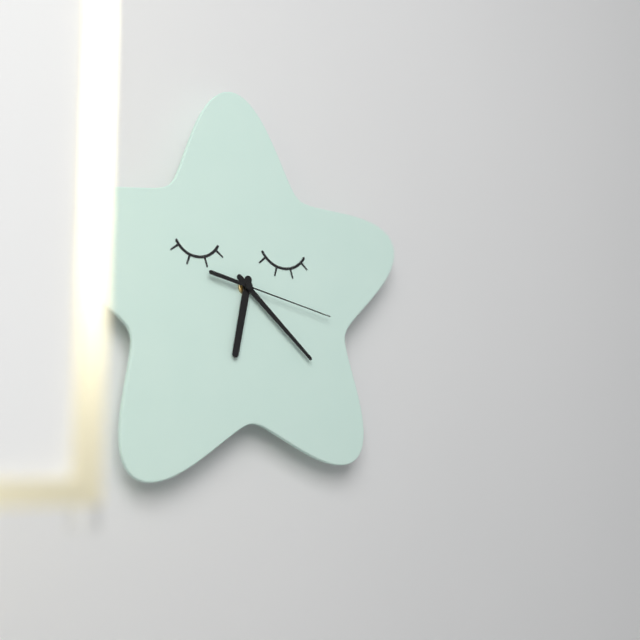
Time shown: **6:22:17**
